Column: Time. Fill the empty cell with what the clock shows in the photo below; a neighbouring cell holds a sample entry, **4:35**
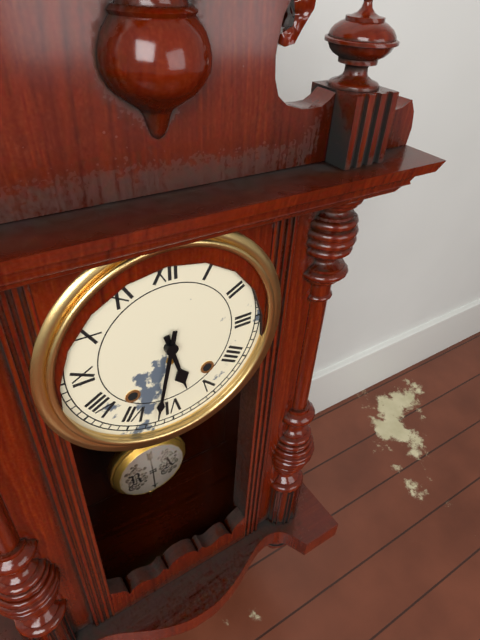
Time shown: **5:32**
